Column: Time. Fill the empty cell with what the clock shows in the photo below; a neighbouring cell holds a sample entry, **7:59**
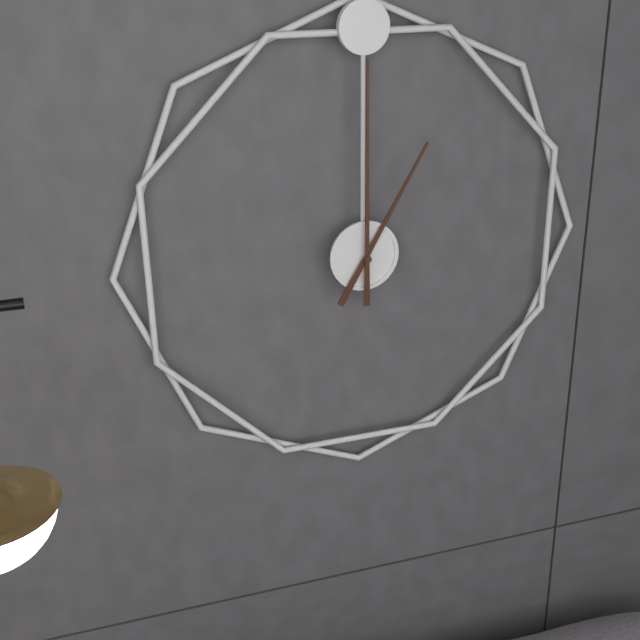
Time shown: **1:00**
